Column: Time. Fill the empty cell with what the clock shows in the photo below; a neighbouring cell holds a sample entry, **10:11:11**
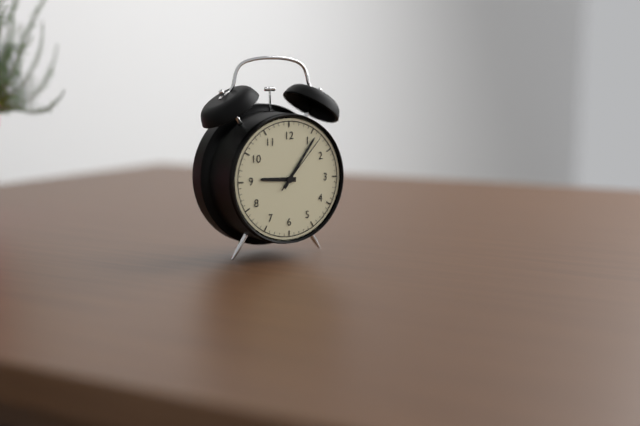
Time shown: **9:06:07**
